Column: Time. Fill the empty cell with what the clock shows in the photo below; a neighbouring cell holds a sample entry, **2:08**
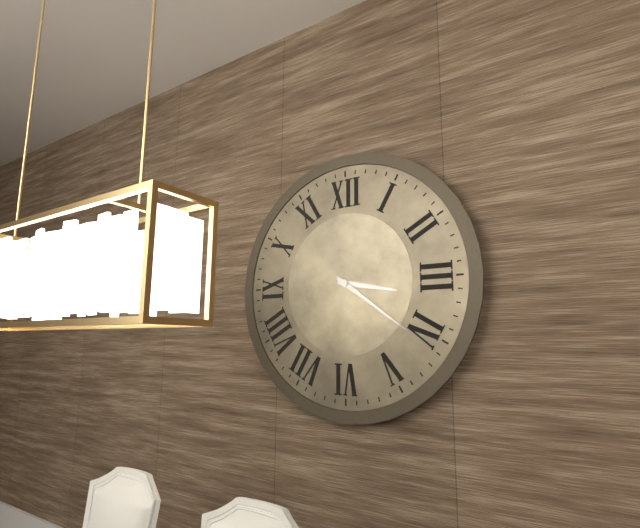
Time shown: **3:21**
